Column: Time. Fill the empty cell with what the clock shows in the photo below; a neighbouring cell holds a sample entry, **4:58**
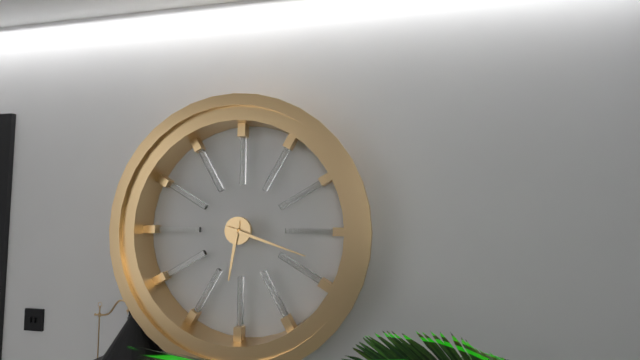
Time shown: **6:18**
